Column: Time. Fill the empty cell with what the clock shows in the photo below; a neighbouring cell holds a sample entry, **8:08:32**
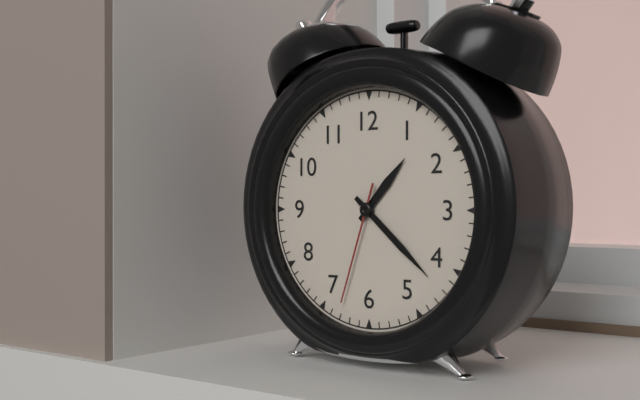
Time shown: **1:22:33**
